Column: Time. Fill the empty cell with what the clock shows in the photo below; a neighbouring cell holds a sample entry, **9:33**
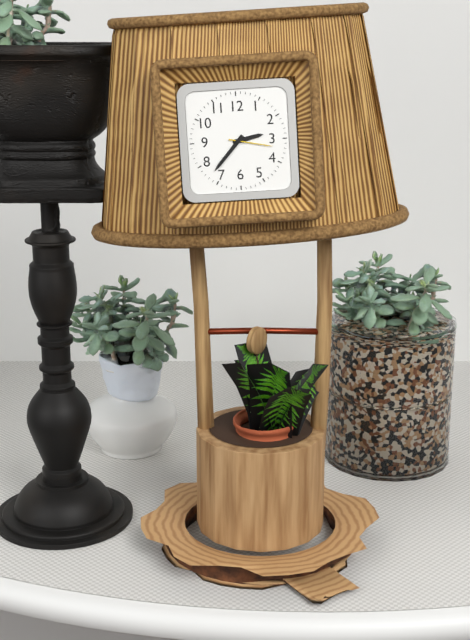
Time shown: **2:37**
